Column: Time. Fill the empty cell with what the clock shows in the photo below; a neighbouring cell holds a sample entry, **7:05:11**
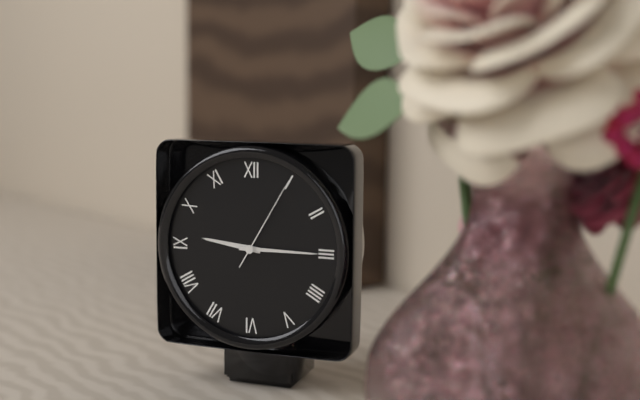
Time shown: **9:15:05**
